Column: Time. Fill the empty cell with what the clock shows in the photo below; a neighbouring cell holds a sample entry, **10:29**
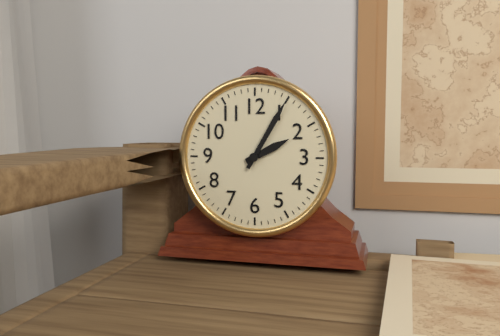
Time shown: **2:05**
